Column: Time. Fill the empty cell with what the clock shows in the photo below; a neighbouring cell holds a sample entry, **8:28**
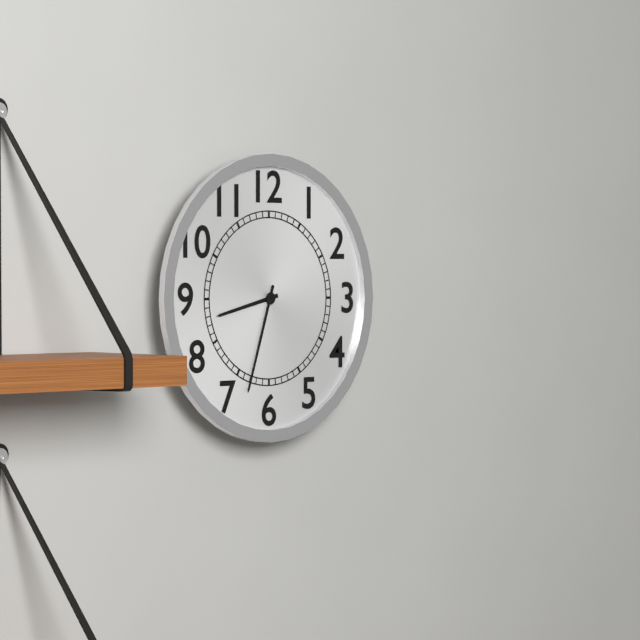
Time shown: **8:33**
